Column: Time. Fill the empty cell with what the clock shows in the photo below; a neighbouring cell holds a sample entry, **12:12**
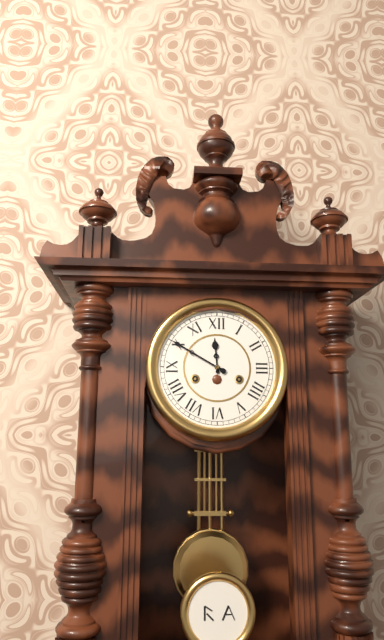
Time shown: **11:50**
